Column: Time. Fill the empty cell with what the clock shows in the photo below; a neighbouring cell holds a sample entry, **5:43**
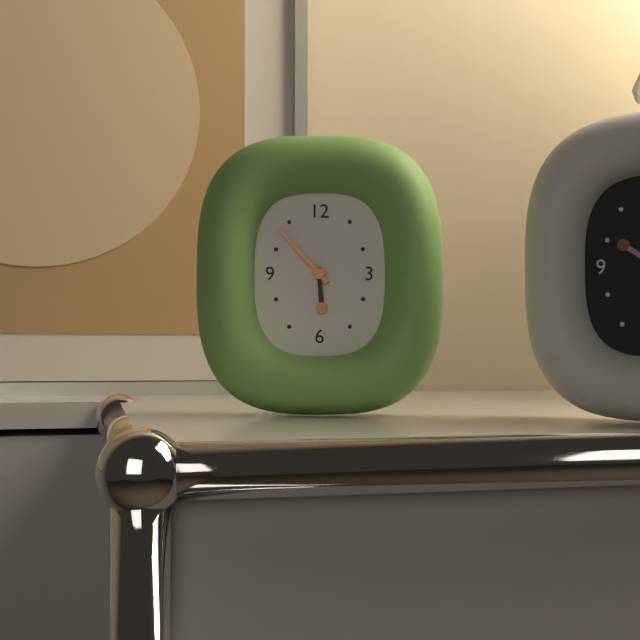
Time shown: **5:53**
